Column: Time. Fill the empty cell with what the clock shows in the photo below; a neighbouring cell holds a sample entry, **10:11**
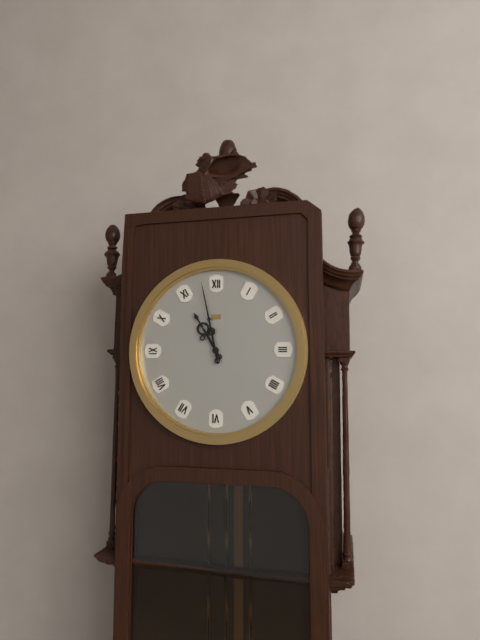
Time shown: **10:58**
